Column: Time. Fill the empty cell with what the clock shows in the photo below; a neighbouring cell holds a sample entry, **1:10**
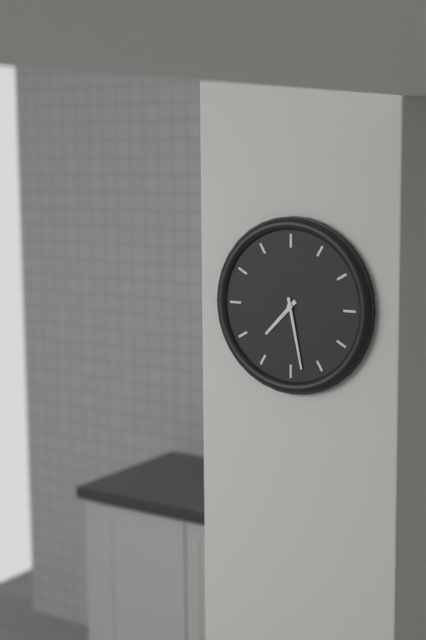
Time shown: **7:28**
